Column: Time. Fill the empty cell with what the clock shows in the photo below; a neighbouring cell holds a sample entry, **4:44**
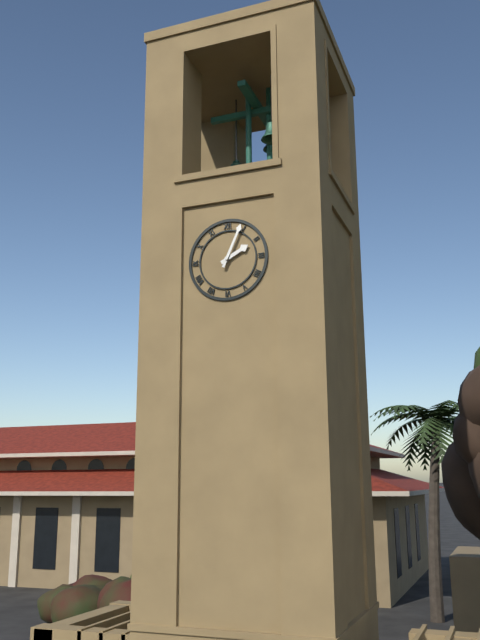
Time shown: **2:04**
